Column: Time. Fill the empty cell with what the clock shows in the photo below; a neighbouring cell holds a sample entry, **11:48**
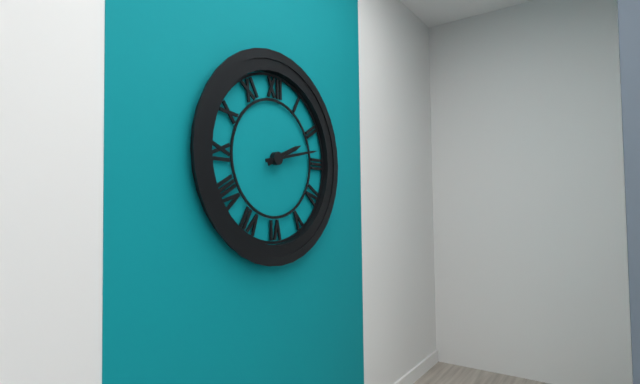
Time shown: **2:13**
